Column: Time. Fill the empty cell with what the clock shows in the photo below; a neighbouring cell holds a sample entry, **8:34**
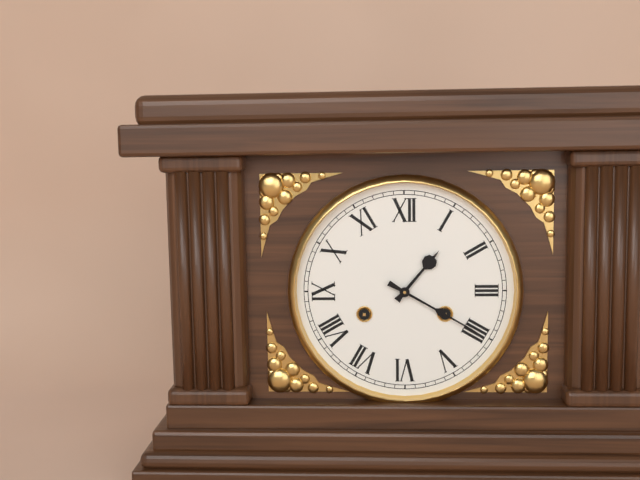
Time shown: **1:20**
